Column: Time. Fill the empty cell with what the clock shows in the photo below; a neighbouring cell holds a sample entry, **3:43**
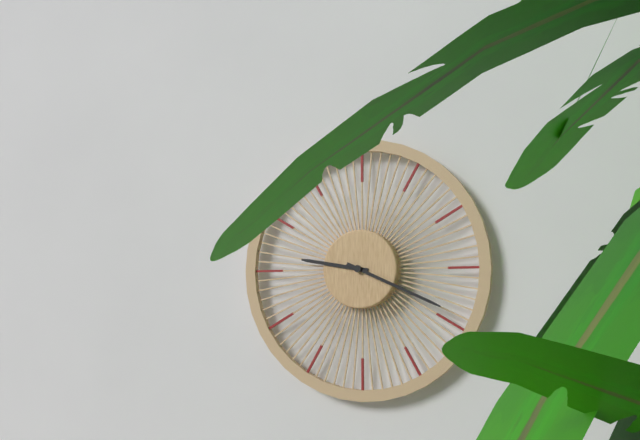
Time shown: **9:19**
